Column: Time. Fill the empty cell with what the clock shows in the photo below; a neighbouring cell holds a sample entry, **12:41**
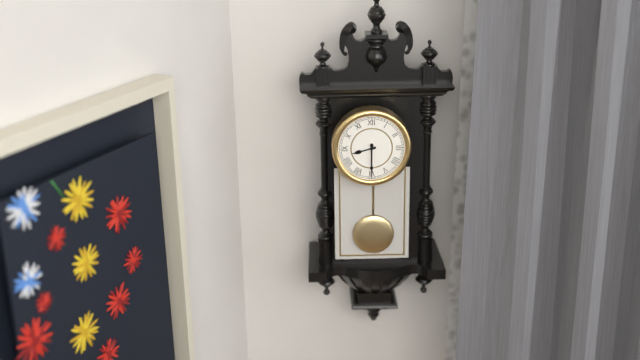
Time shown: **8:30**
